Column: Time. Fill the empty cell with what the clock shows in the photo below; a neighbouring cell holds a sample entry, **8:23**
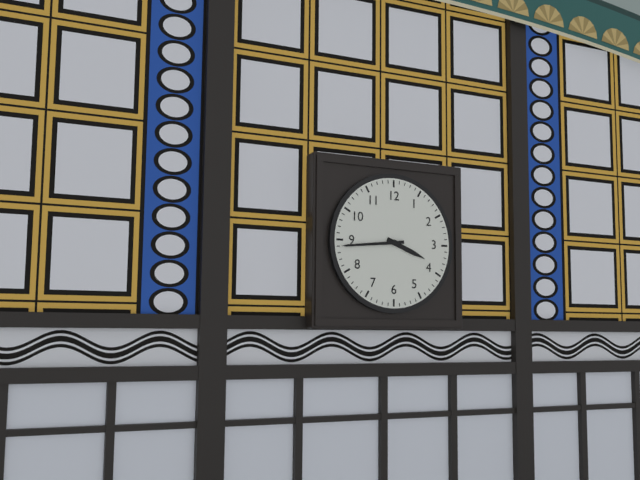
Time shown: **3:44**
